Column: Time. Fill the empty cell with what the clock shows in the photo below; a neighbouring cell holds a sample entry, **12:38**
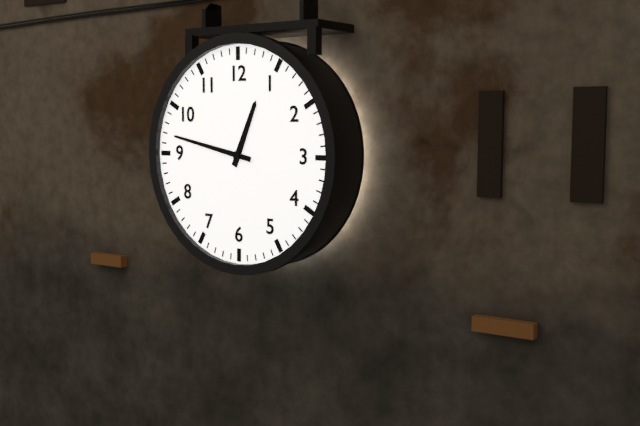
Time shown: **12:47**
